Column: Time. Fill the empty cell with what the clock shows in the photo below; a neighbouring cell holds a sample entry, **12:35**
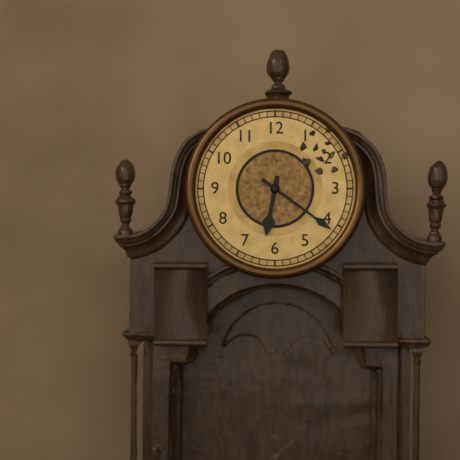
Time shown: **6:21**
